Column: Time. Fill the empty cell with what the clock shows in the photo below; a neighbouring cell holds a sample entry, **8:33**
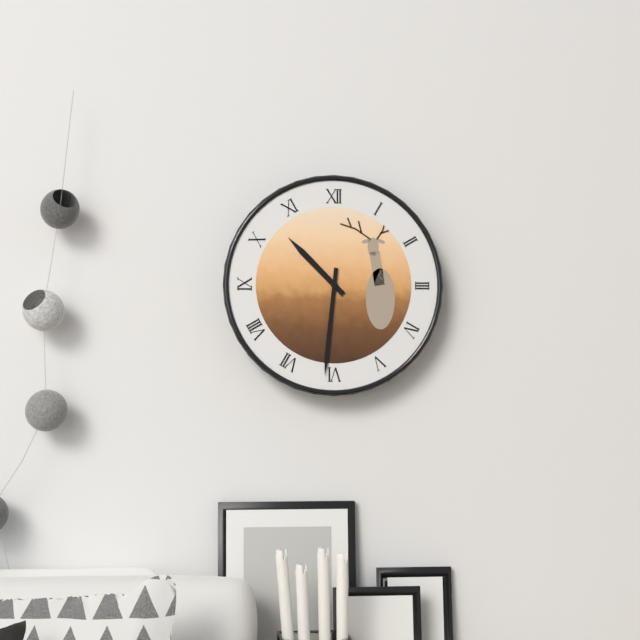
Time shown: **10:31**
